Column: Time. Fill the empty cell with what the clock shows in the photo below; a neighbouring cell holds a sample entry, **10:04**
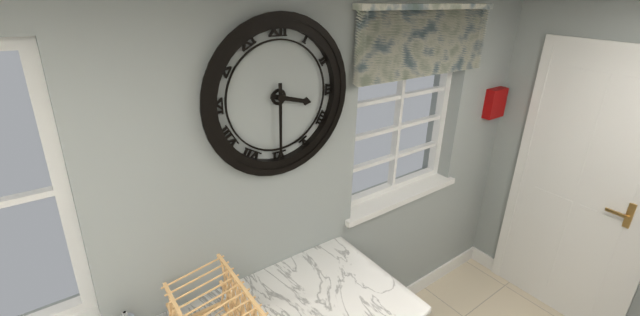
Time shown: **3:30**
